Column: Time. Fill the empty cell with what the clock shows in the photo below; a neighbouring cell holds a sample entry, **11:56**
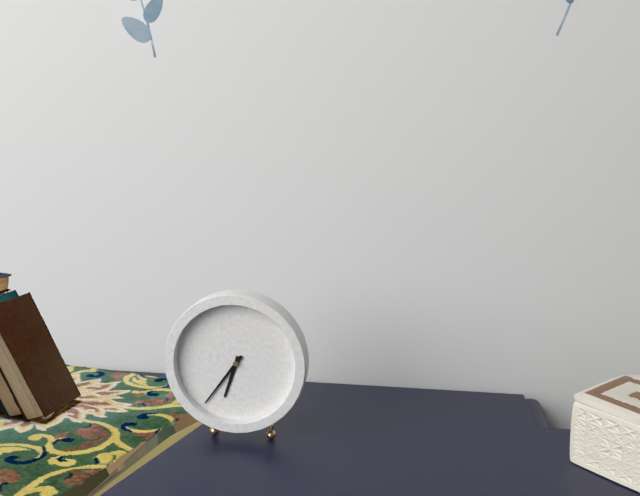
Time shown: **6:36**
